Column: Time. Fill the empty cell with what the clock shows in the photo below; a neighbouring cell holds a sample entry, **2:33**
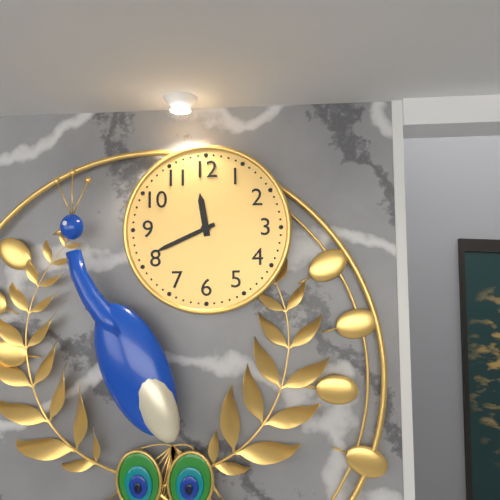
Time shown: **11:41**
